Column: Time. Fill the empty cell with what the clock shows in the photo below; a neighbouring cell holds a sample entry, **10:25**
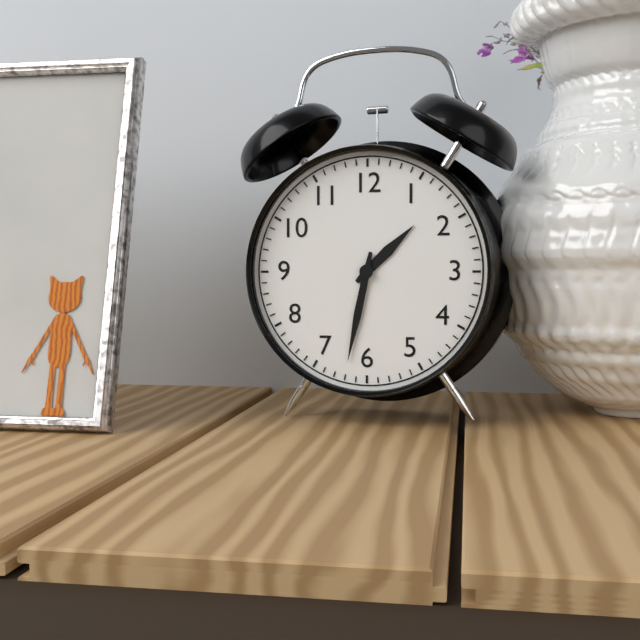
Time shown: **1:32**
